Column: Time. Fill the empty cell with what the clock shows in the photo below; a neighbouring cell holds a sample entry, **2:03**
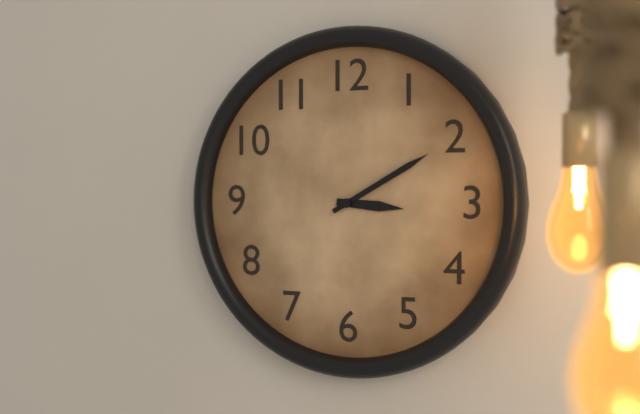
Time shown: **3:10**
